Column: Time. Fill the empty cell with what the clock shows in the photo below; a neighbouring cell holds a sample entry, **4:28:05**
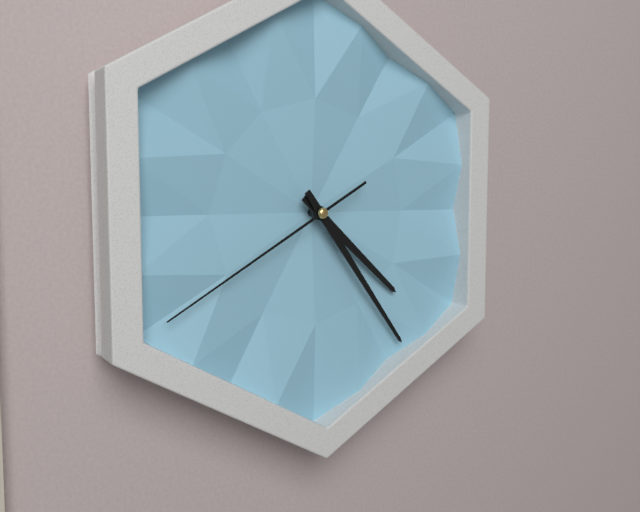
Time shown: **4:24:40**
